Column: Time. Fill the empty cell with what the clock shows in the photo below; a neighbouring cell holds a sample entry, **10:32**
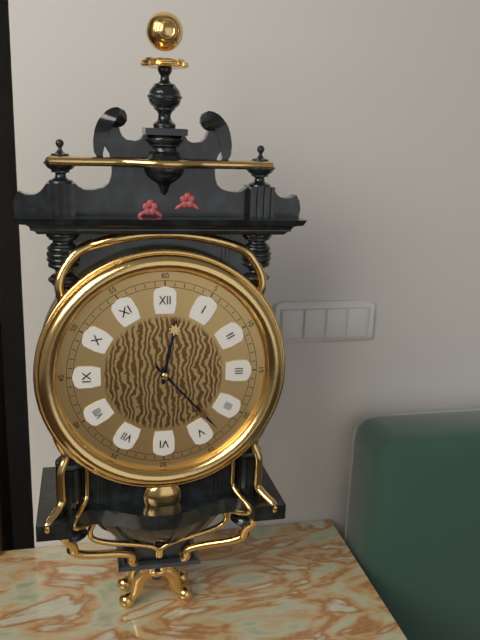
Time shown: **12:23**
